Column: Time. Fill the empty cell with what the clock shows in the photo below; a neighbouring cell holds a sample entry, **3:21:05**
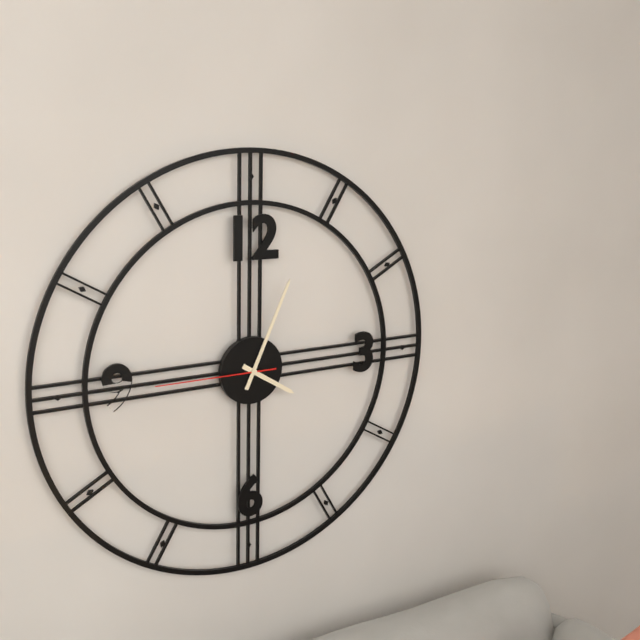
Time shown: **4:04:45**
